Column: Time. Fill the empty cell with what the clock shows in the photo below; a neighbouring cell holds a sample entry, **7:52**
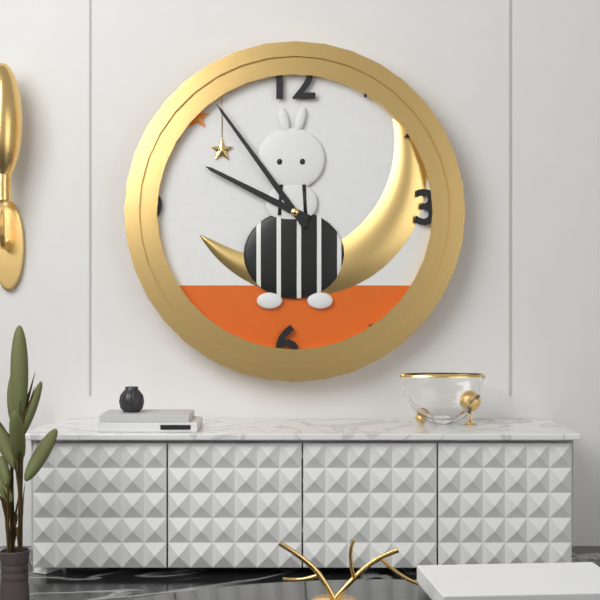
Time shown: **9:54**
